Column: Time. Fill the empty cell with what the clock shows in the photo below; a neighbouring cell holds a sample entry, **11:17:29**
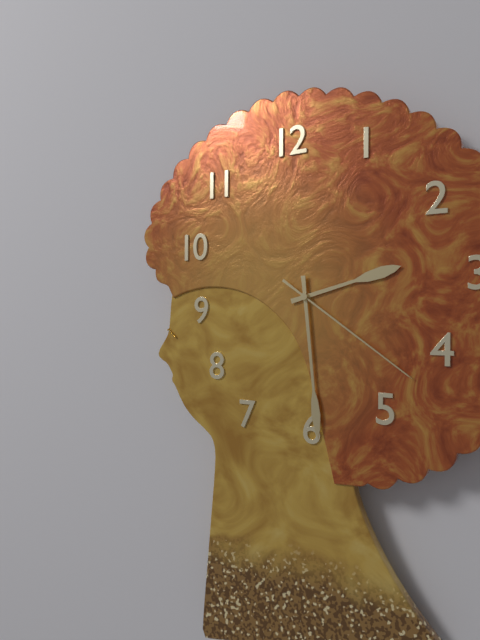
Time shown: **2:29:21**
